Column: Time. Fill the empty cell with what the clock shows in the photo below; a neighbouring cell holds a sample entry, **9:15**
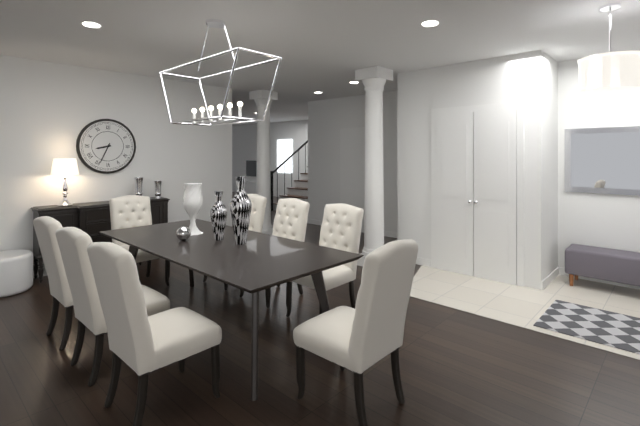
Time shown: **8:34**
